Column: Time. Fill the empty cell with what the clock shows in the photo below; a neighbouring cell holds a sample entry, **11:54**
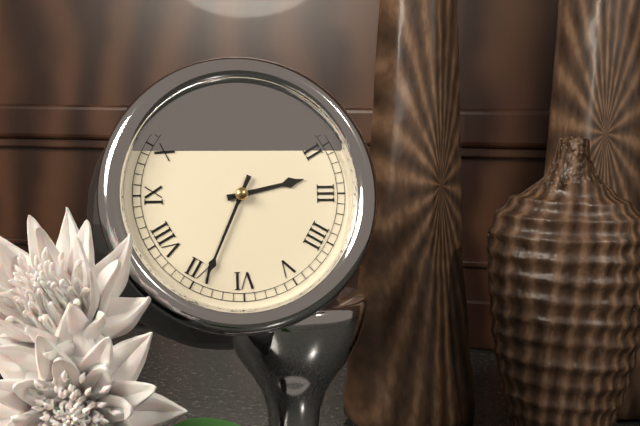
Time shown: **2:34**
